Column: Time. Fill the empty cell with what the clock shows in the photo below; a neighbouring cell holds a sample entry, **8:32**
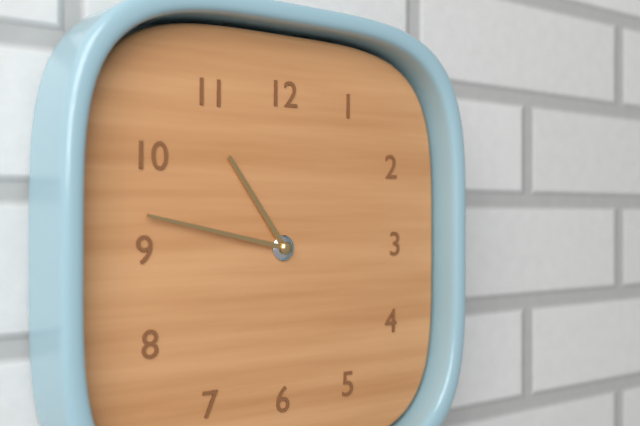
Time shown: **10:47**
